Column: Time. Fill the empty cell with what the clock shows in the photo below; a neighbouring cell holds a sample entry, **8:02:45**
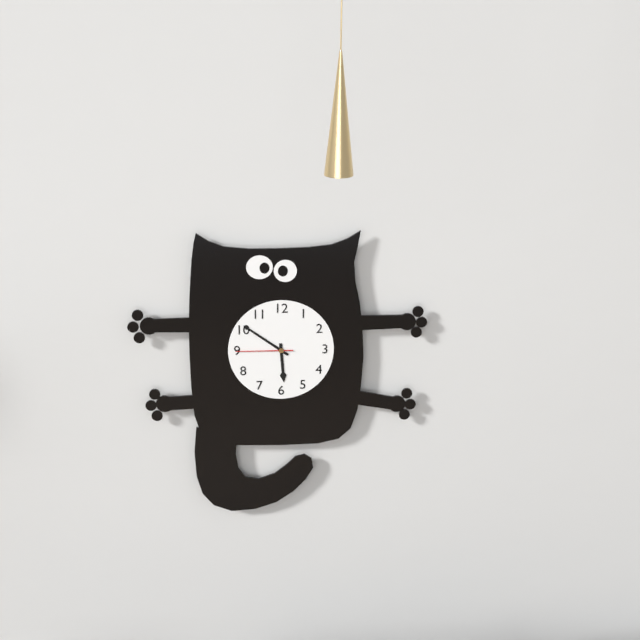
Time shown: **5:51:45**
